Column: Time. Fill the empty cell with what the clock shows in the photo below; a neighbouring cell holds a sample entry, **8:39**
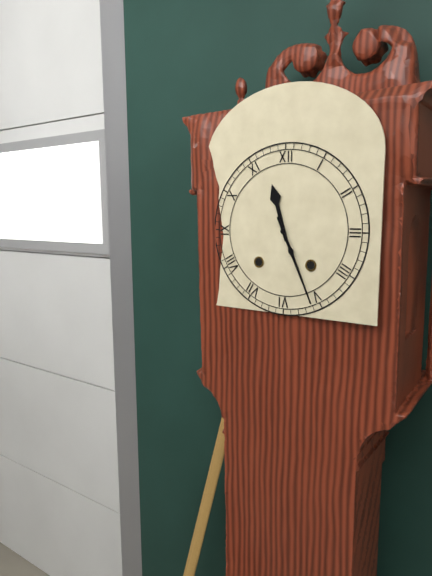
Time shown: **11:26**
